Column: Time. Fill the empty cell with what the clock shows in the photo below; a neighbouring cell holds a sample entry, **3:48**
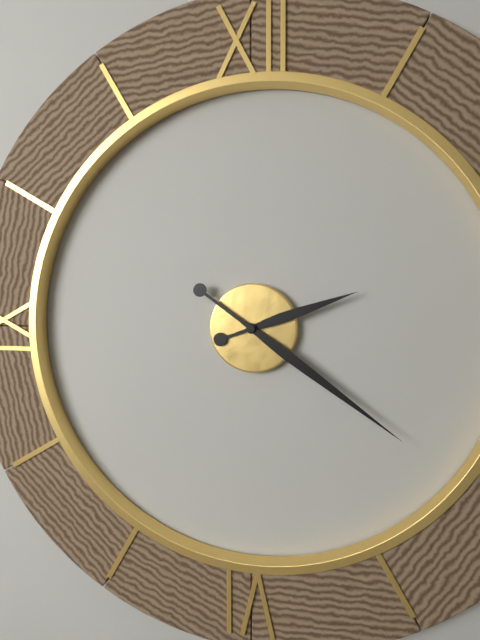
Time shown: **2:21**
